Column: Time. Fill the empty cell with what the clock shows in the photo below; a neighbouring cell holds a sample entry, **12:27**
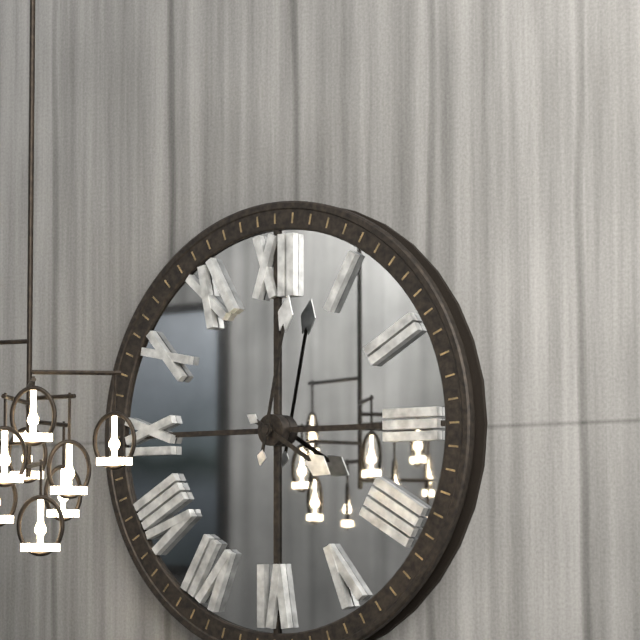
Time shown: **4:02**
